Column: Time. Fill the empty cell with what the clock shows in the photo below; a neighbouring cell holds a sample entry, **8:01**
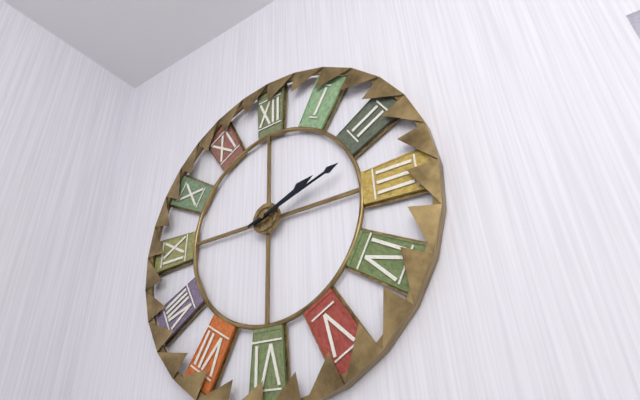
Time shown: **2:12**
